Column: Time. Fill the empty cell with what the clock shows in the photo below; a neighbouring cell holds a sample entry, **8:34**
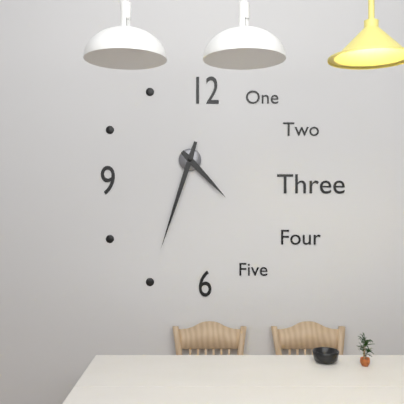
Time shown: **4:33**
